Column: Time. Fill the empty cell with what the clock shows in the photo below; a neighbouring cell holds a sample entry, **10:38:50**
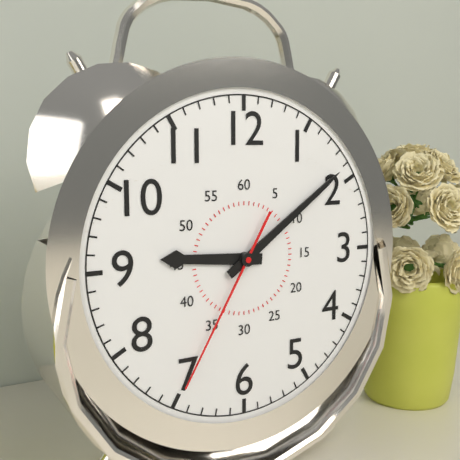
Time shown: **9:09:35**
